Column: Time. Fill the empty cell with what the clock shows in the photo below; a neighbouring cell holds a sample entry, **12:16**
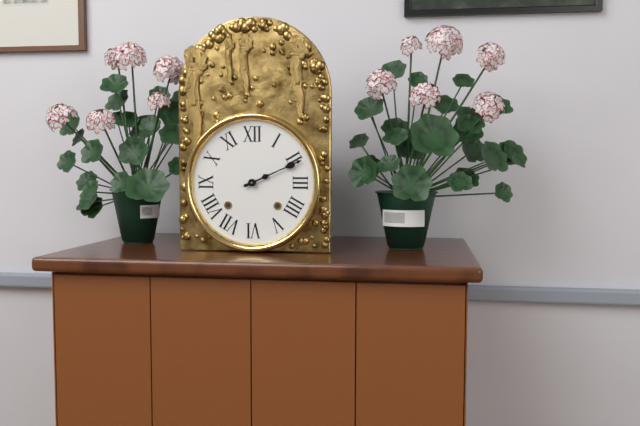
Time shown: **2:11**
